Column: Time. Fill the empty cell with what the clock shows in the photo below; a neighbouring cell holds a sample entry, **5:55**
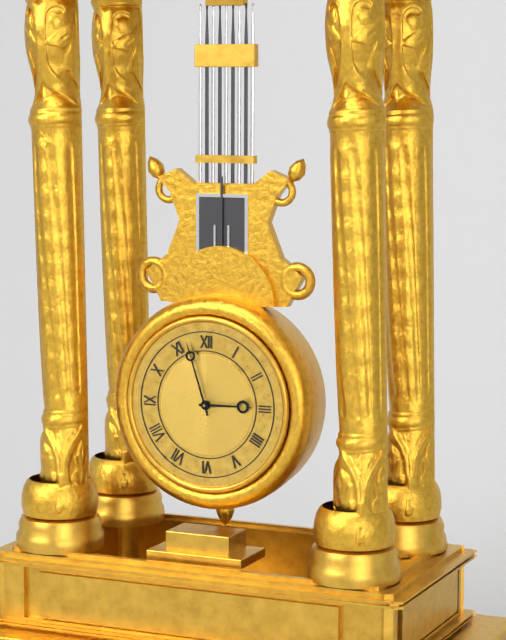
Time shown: **2:57**
